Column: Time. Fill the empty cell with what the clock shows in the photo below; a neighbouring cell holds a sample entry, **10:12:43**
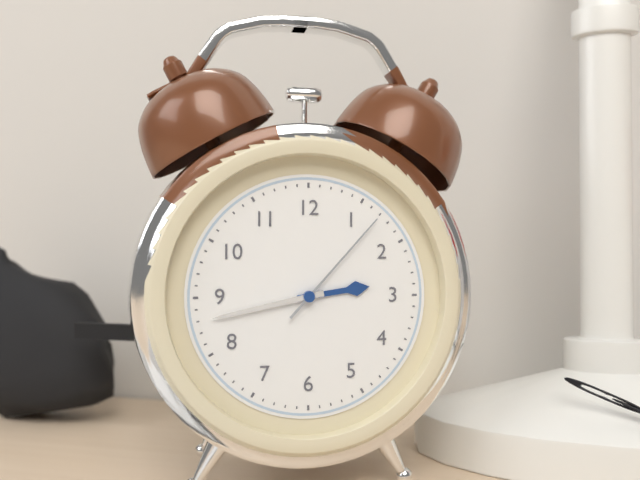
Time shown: **2:43:07**
